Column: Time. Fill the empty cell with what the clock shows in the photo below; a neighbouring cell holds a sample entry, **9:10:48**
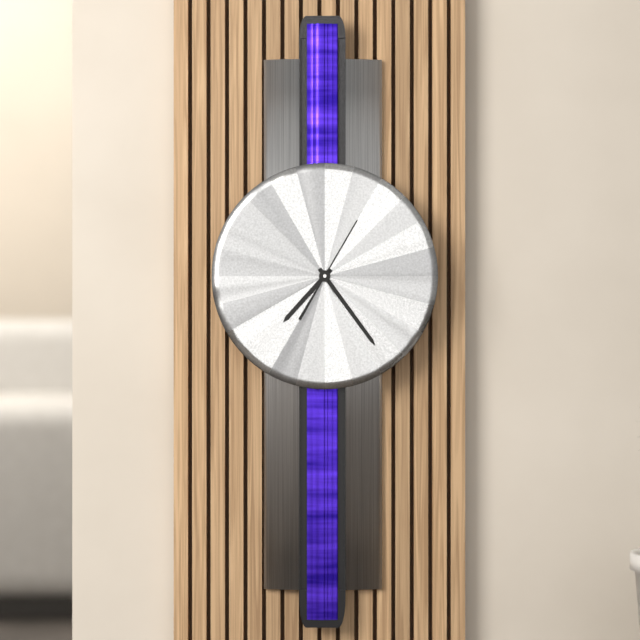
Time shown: **7:24:05**
